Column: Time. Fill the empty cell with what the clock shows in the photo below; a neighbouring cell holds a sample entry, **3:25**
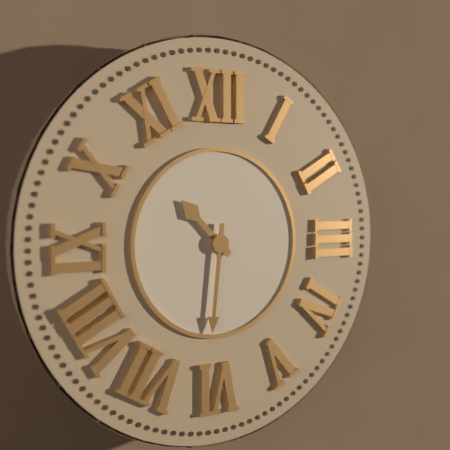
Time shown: **10:31**
